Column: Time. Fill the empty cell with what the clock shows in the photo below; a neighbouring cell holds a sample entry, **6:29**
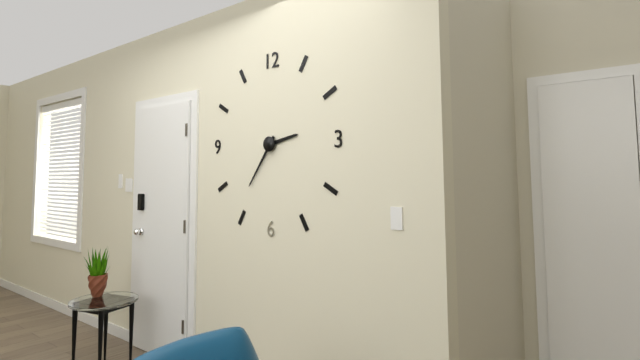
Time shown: **2:36**
